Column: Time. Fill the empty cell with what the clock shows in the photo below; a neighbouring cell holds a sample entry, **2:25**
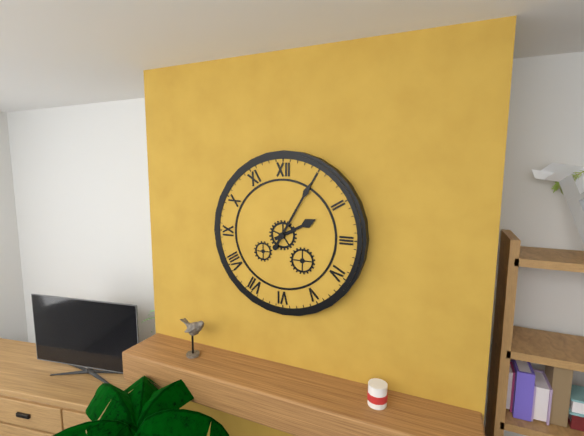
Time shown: **2:05**
